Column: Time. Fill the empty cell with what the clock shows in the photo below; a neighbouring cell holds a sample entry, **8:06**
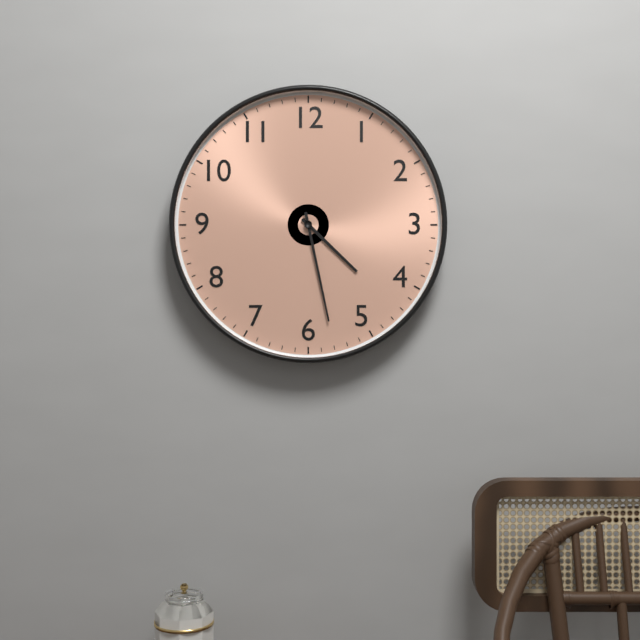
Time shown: **4:28**
